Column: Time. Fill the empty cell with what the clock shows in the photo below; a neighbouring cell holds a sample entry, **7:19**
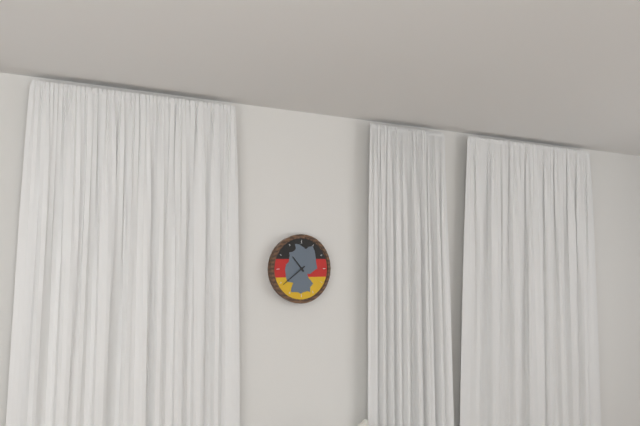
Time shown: **10:39**
